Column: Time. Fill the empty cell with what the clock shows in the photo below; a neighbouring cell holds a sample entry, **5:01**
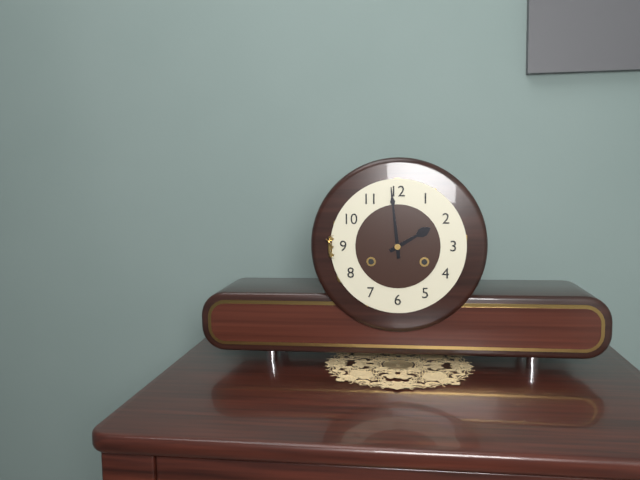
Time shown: **1:59**
